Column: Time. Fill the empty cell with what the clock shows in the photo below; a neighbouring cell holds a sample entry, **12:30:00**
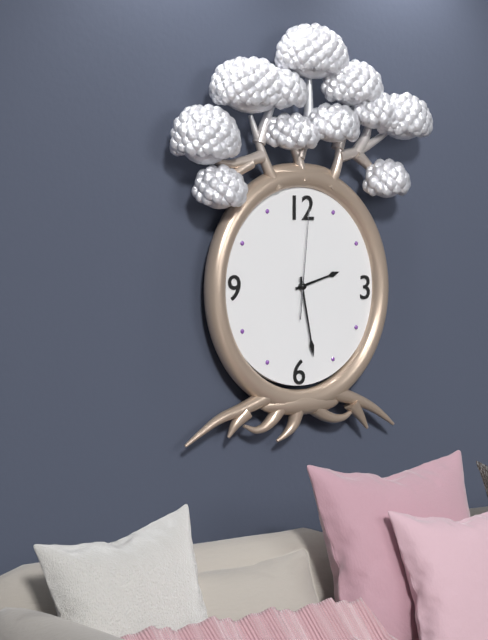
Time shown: **2:28:01**
